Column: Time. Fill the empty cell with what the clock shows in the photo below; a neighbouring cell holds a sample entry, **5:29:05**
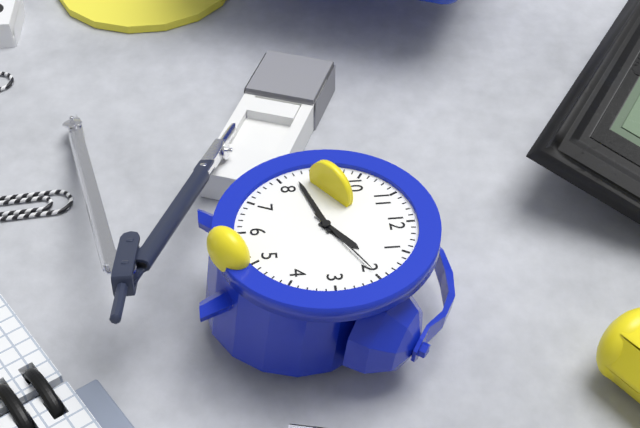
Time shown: **1:42:10**
